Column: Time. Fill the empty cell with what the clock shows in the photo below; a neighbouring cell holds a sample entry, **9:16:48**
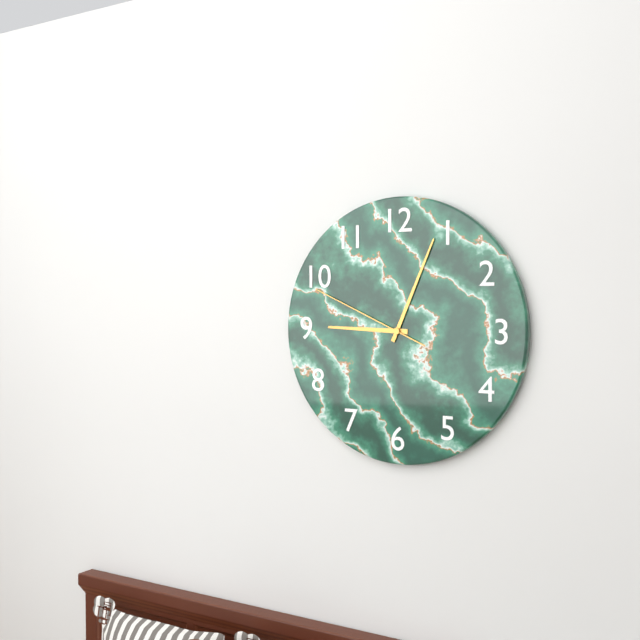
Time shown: **9:04:49**
